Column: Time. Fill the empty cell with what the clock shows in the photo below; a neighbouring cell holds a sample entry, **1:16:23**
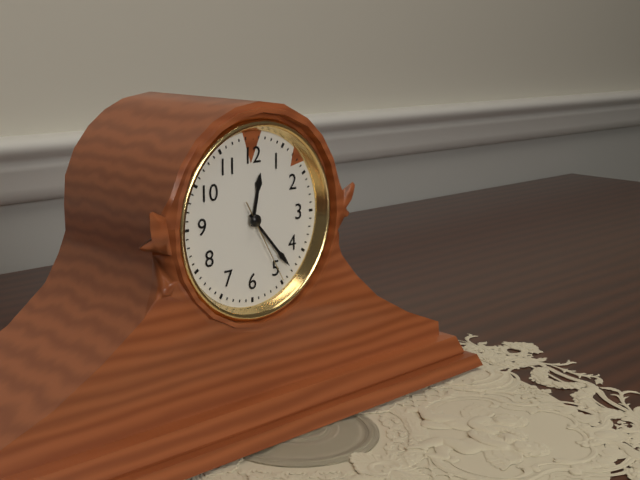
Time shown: **12:23:25**
